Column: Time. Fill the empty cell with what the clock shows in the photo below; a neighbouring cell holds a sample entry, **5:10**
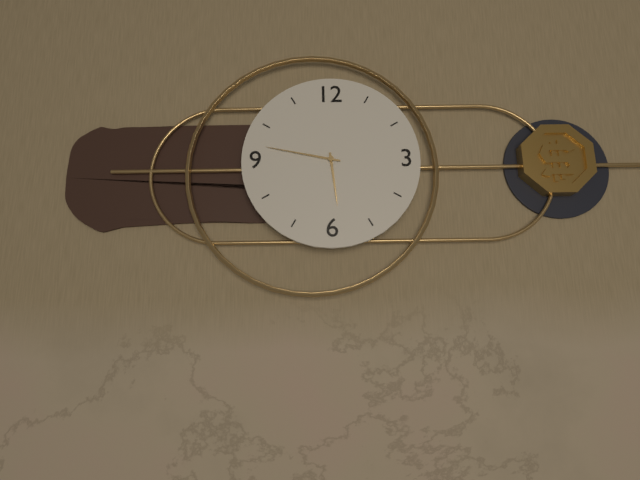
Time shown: **5:47**
